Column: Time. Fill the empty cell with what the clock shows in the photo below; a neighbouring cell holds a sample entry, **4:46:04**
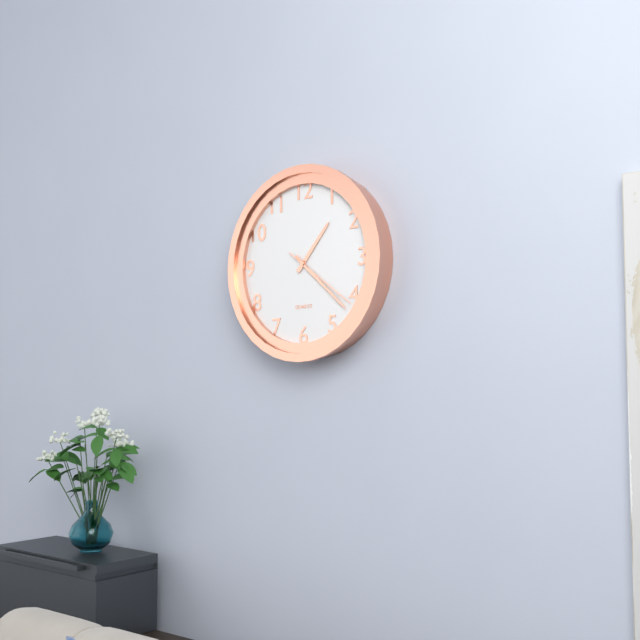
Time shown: **1:22:21**
